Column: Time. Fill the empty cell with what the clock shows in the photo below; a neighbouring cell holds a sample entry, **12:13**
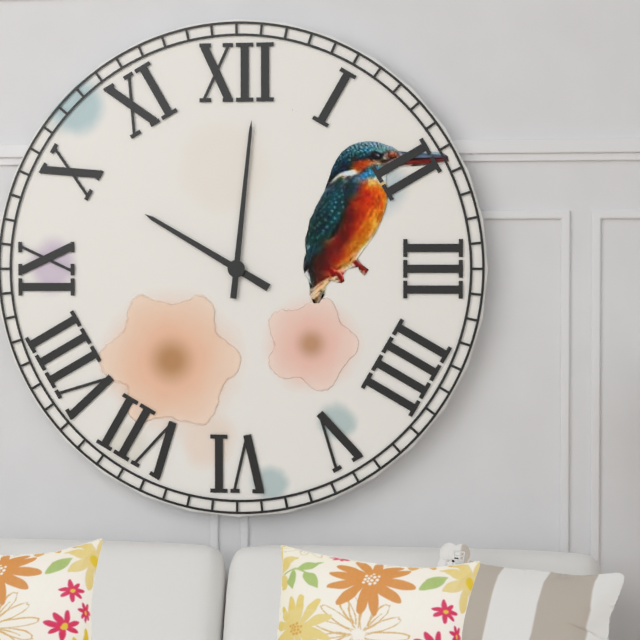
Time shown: **10:01**
